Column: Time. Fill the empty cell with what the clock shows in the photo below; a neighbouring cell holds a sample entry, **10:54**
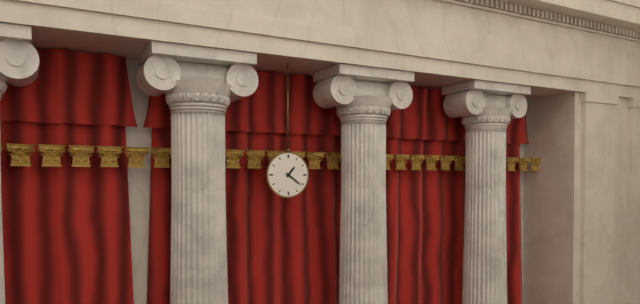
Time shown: **1:21**
